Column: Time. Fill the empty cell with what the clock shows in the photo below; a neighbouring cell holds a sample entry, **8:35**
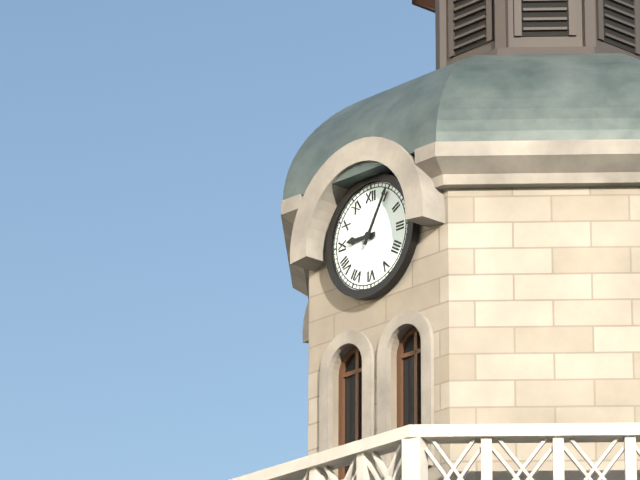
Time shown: **9:05**
